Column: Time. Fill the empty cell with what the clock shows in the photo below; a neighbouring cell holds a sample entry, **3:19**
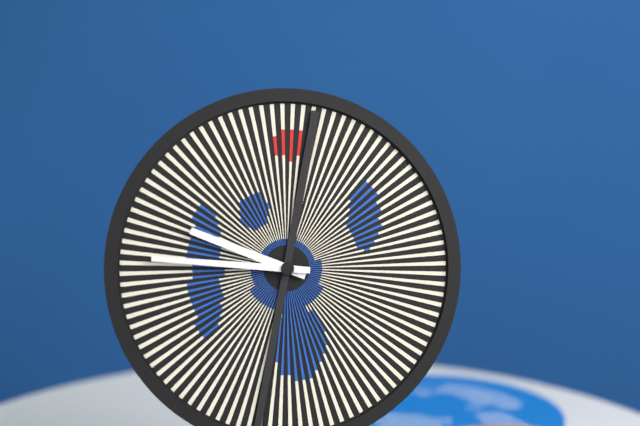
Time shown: **9:46**
